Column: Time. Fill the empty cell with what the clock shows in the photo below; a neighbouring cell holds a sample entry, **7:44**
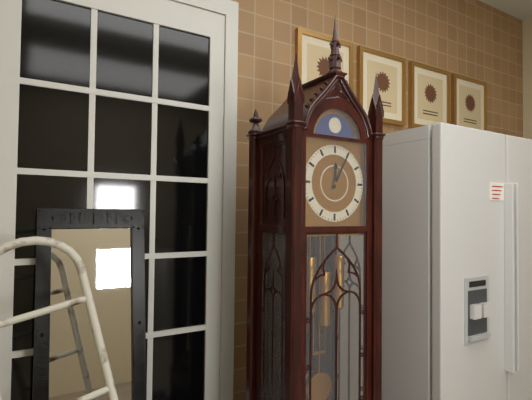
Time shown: **12:05**
